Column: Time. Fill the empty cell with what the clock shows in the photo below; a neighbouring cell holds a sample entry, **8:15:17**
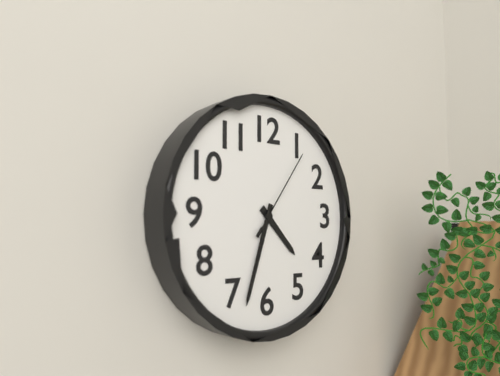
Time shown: **4:33:06**
